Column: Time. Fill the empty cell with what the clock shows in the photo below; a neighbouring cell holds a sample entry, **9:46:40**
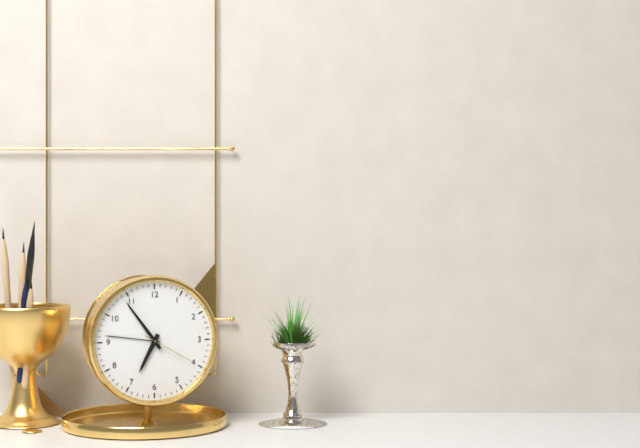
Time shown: **6:54:20**
